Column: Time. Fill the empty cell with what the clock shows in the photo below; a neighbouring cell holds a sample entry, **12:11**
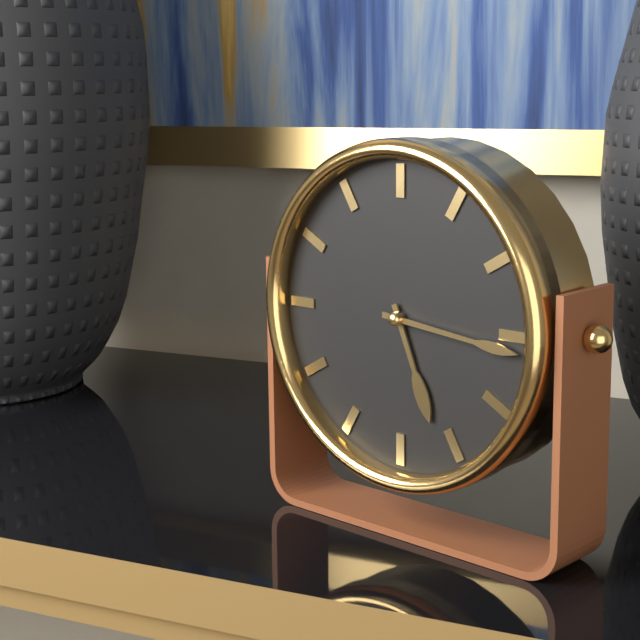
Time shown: **5:16**
